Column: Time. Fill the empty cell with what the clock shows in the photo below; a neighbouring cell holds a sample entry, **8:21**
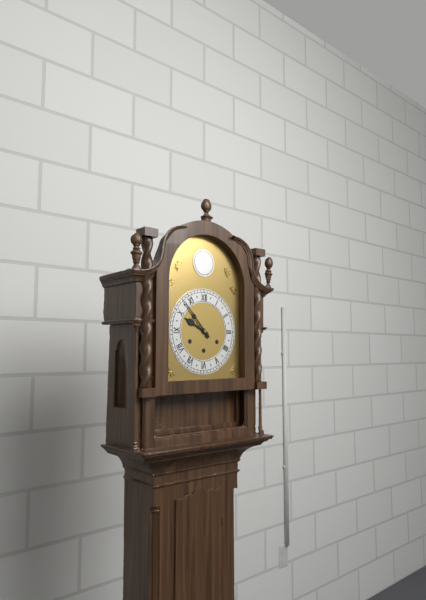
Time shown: **9:53**
